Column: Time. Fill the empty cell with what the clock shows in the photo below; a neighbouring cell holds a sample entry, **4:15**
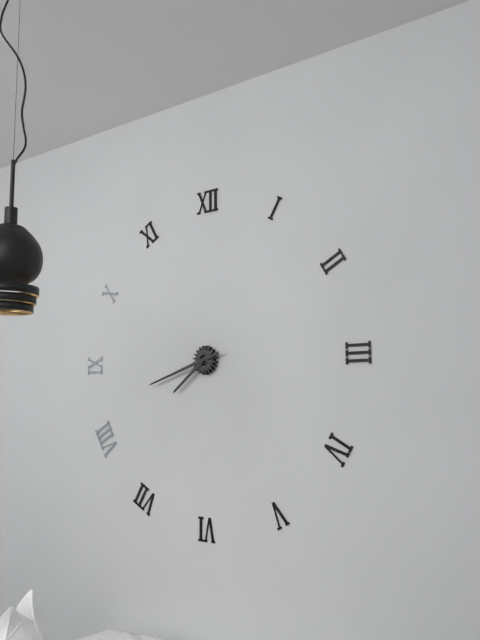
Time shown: **7:42**
